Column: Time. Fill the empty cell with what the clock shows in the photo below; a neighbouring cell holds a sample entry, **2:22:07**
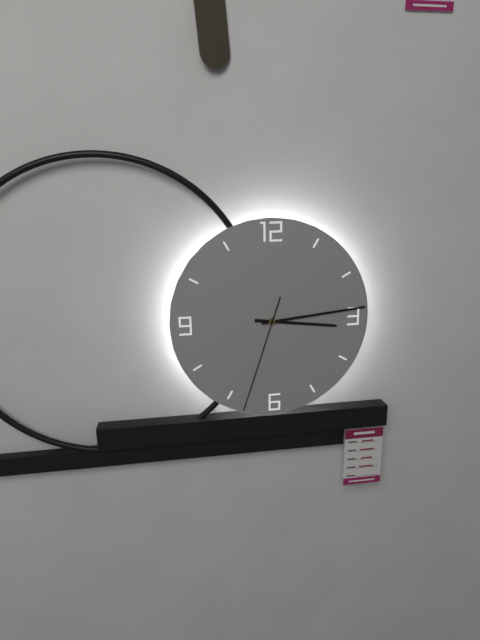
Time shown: **3:14:33**
